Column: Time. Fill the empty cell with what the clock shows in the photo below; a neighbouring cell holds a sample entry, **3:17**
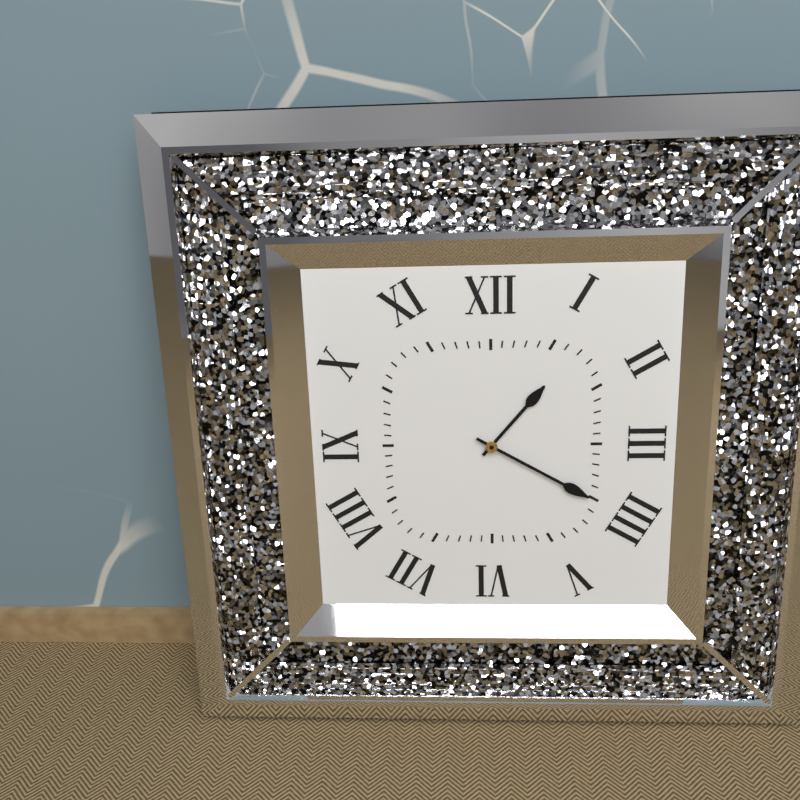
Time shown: **1:20**
